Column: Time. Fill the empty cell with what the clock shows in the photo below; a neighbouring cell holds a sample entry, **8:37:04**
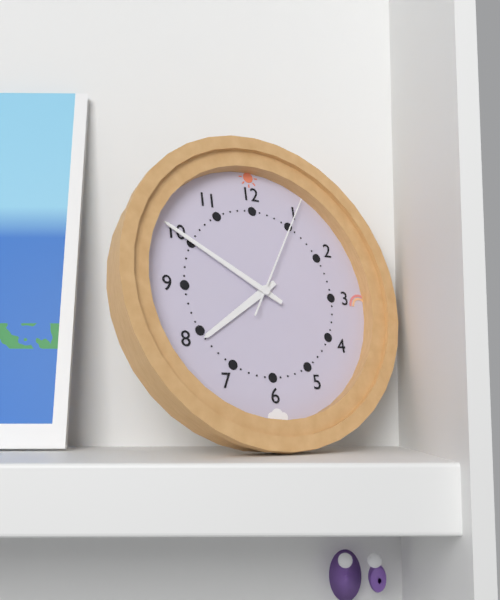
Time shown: **7:50:05**
